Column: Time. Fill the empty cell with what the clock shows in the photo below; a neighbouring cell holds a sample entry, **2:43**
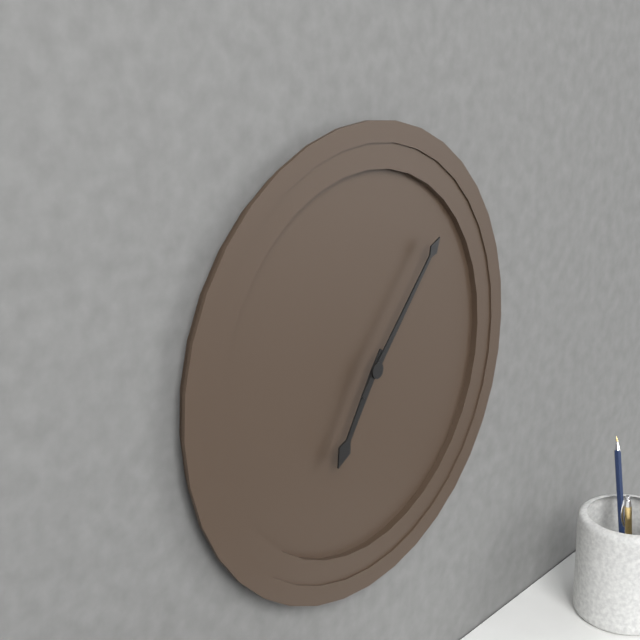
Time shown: **7:07**
